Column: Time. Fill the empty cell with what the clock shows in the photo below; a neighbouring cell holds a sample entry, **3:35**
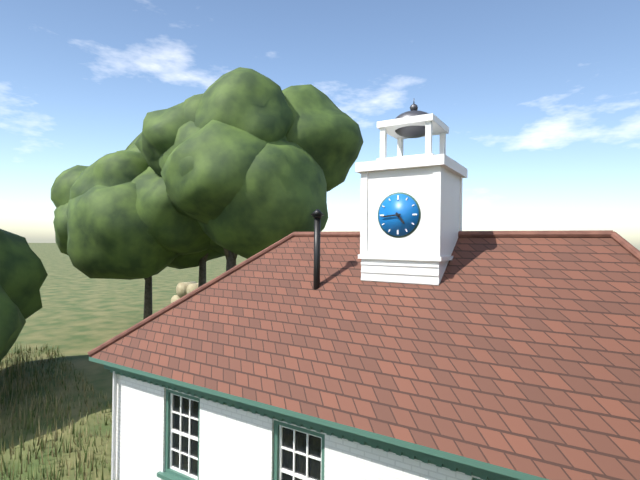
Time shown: **4:44**
